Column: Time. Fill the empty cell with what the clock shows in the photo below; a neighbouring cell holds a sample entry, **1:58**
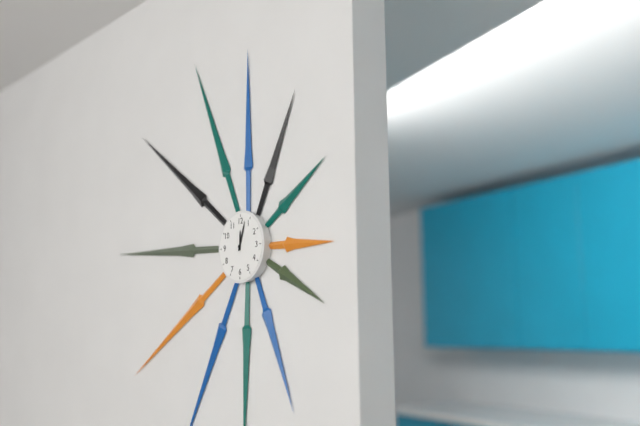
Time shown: **12:03**
